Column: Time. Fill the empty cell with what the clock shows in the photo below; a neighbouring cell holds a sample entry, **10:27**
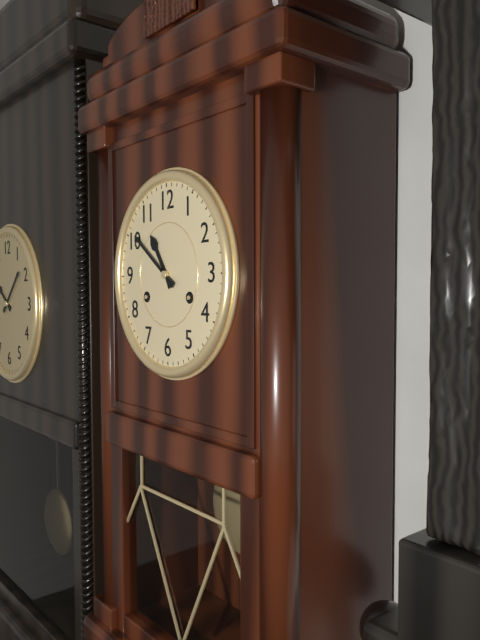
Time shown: **10:51**
